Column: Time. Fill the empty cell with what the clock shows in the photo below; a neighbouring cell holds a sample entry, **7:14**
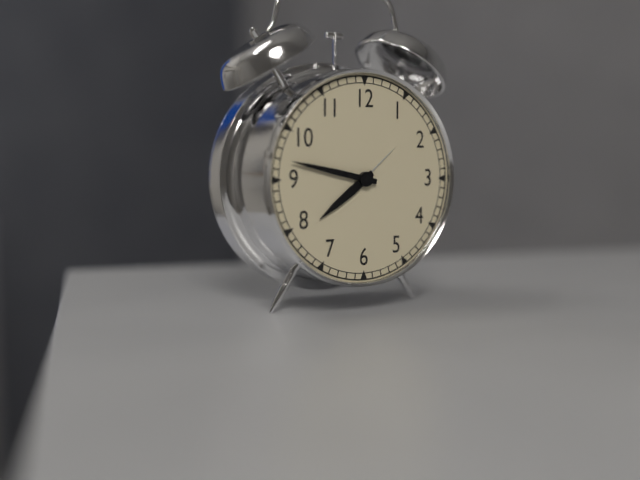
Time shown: **7:47**
